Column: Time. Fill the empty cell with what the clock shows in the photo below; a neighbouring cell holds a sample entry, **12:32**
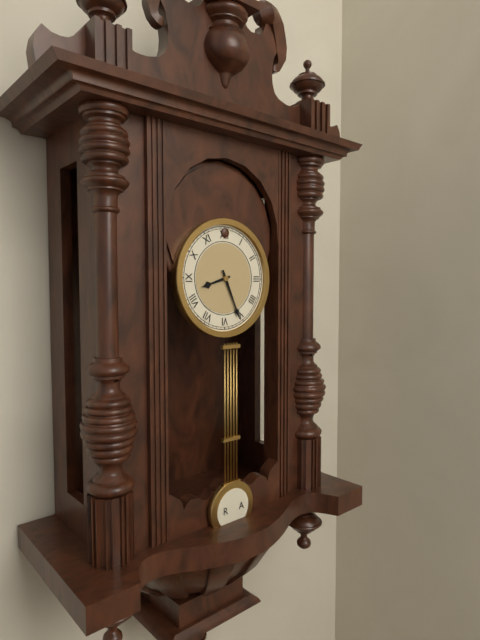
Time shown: **8:26**
